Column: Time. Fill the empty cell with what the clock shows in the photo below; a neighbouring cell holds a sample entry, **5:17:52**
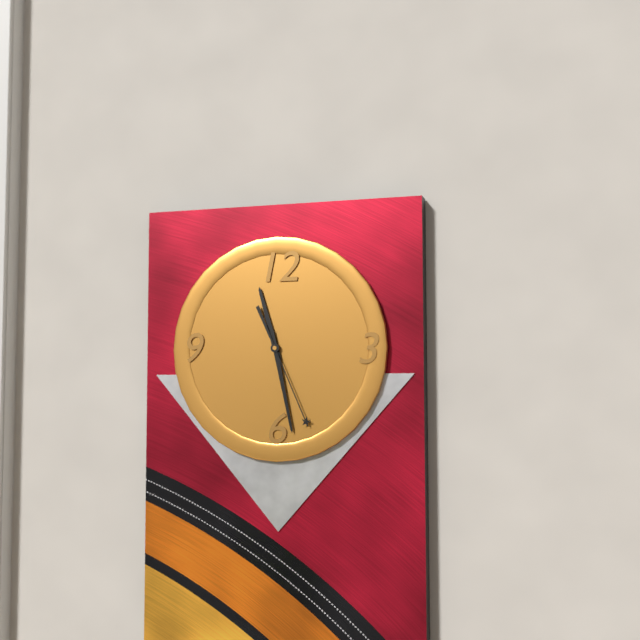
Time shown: **11:28:26**
